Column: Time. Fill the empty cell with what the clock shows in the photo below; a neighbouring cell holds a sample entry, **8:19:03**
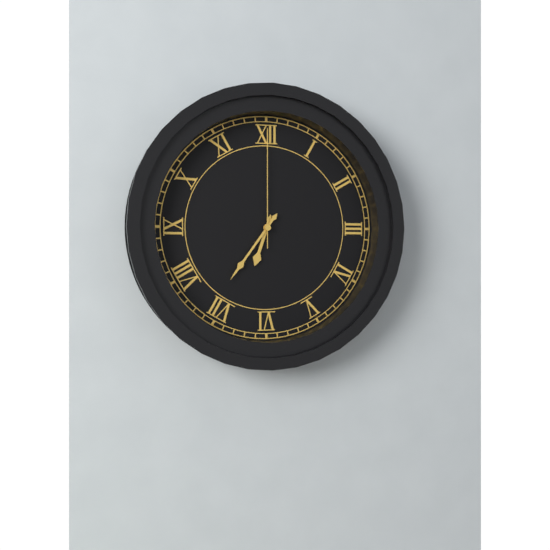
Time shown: **6:36:00**
